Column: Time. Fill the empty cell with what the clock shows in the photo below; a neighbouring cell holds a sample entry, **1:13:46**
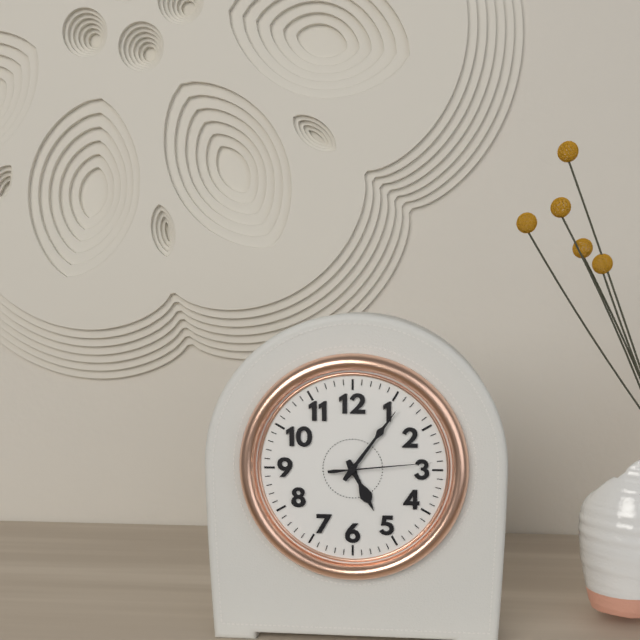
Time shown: **5:06:14**
